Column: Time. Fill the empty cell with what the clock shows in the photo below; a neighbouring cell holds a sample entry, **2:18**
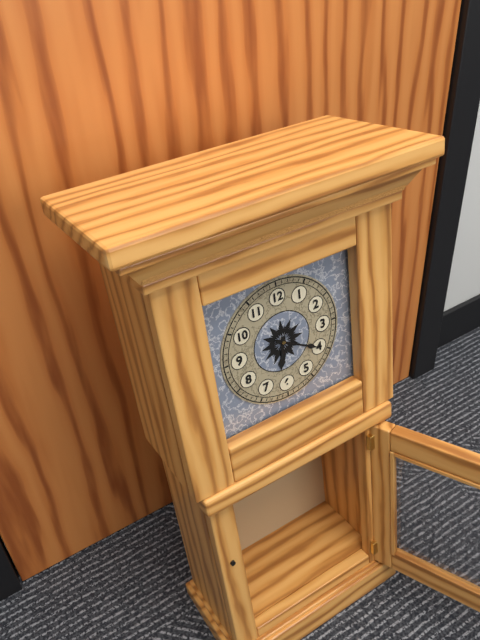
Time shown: **6:20**
